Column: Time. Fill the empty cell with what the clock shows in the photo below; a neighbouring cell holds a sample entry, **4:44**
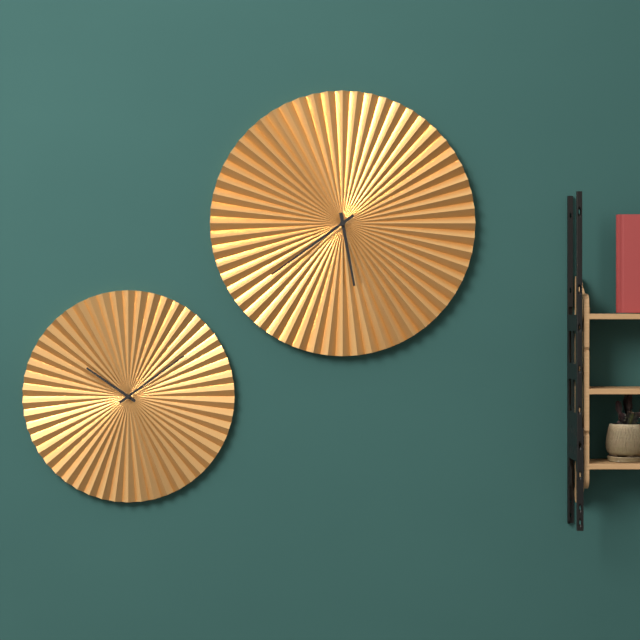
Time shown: **5:39**
